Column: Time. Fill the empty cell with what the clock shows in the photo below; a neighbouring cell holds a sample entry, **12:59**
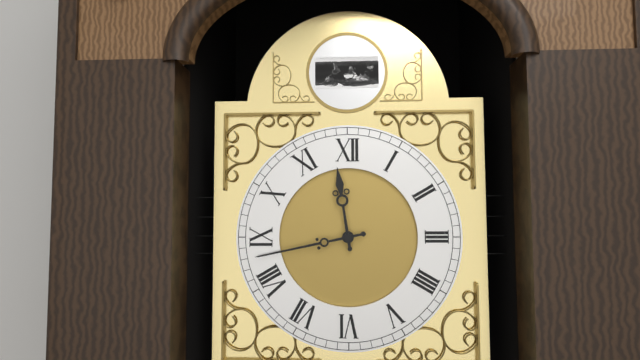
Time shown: **11:43**
